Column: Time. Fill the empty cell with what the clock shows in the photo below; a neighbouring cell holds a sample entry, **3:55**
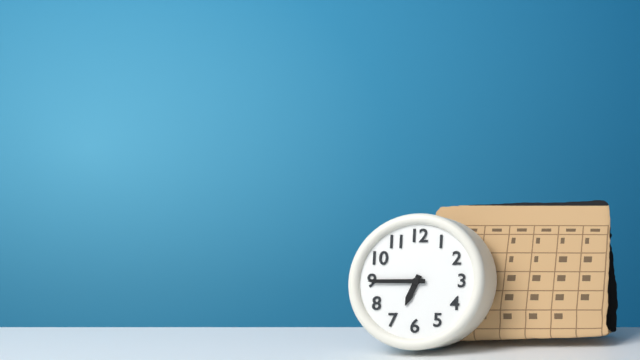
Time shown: **6:45**
